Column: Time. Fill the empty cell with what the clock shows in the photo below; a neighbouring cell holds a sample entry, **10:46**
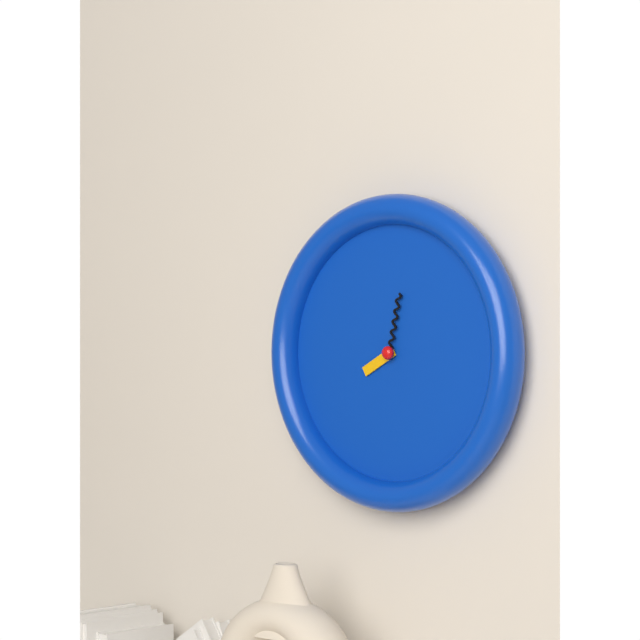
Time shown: **8:02**
